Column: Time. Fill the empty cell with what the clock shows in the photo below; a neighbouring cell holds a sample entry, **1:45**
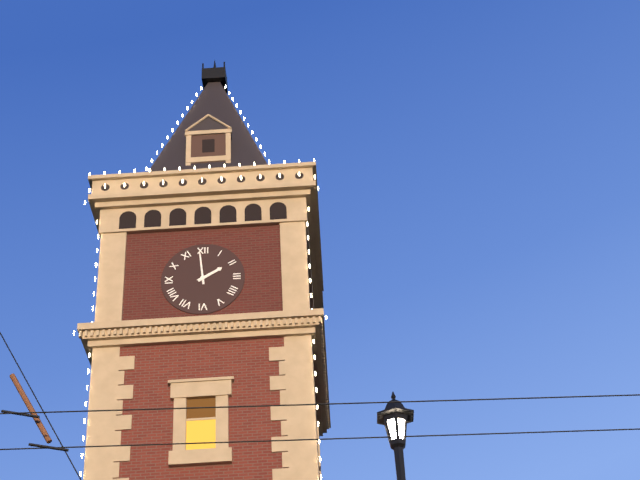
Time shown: **1:59**
